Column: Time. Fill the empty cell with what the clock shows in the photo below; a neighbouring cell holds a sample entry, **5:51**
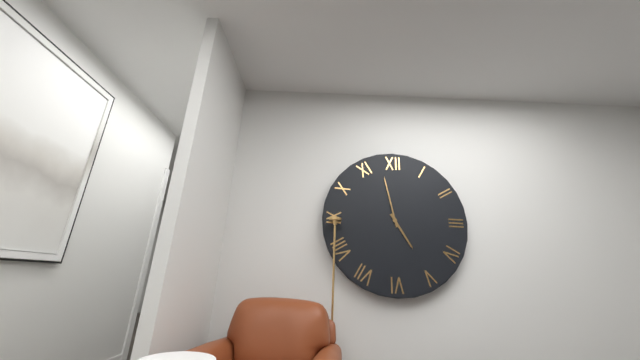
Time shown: **4:58**
